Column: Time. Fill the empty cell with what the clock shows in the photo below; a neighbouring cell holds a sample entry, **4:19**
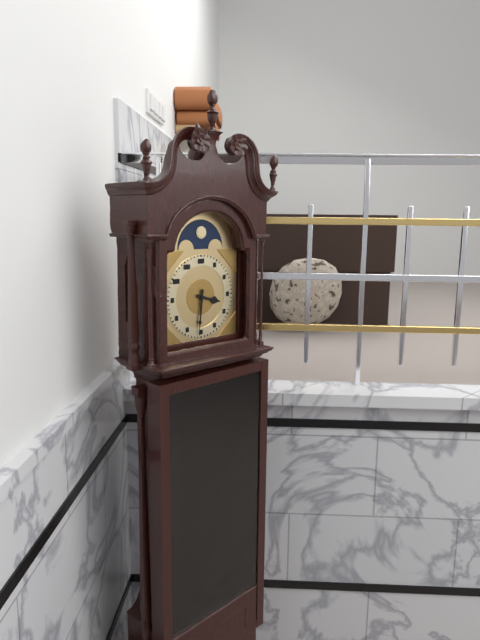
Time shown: **3:31**
